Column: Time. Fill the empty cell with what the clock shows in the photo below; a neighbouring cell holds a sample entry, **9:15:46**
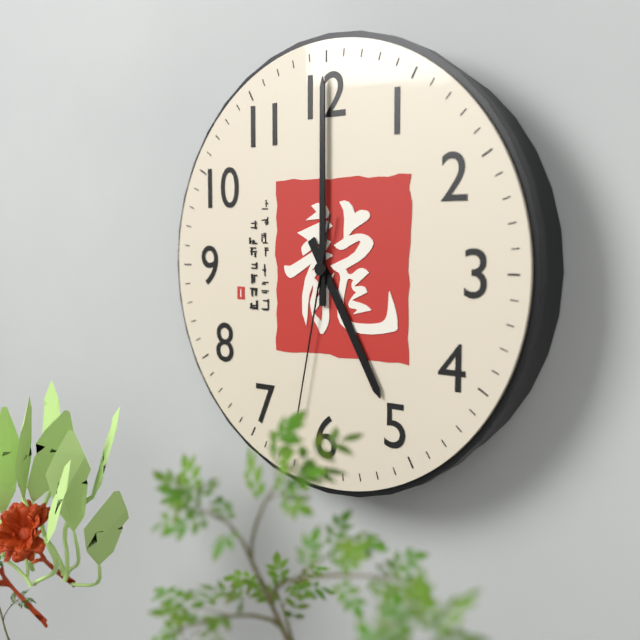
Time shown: **5:00:32**
